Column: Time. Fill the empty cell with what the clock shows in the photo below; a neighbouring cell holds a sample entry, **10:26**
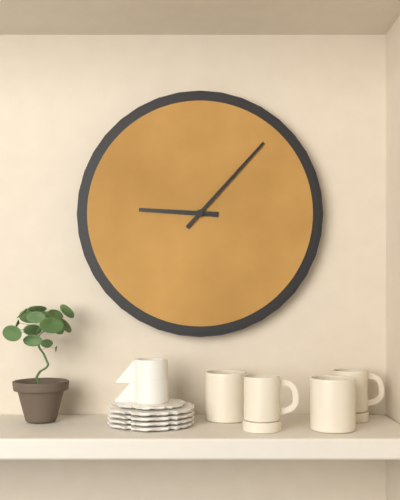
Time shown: **9:07**
